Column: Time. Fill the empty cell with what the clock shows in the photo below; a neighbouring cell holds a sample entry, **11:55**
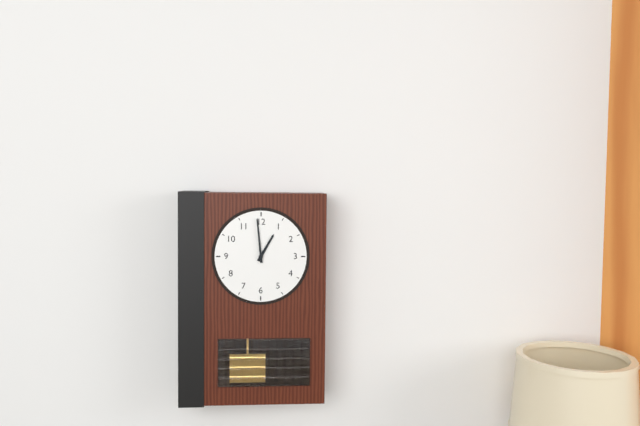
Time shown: **12:59**
